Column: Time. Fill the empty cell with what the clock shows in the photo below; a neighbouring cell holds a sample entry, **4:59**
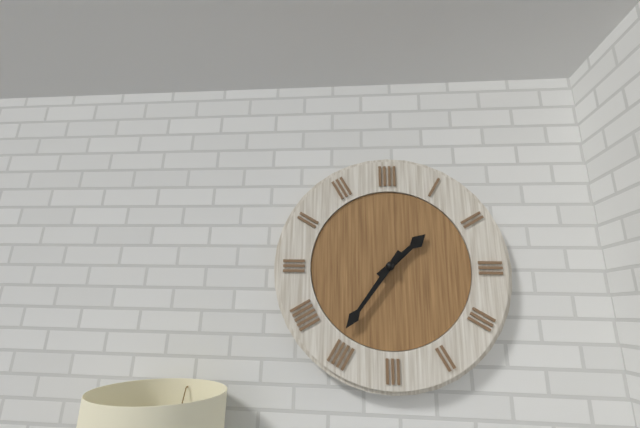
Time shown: **1:36**
